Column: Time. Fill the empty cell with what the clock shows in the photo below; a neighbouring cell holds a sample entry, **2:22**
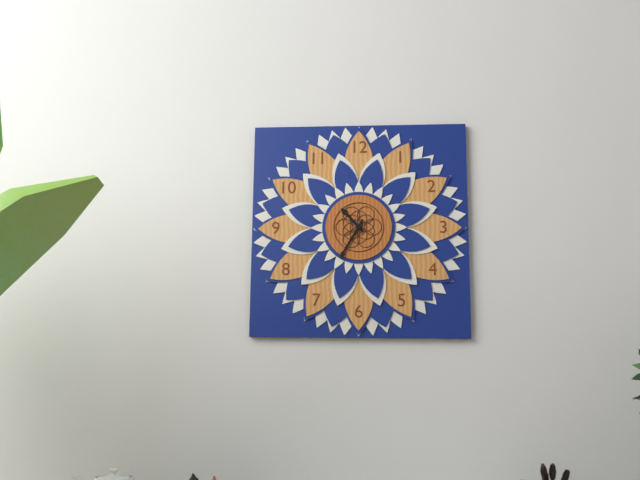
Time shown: **10:35**
